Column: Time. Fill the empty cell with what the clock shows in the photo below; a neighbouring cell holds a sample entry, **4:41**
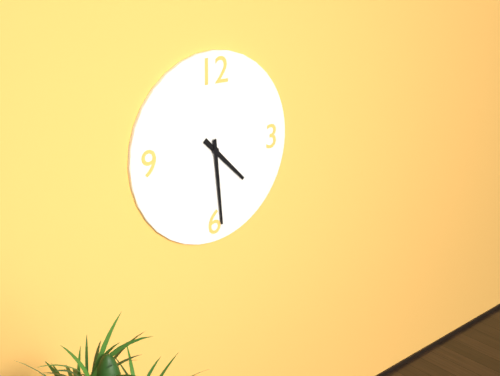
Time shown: **4:29**
